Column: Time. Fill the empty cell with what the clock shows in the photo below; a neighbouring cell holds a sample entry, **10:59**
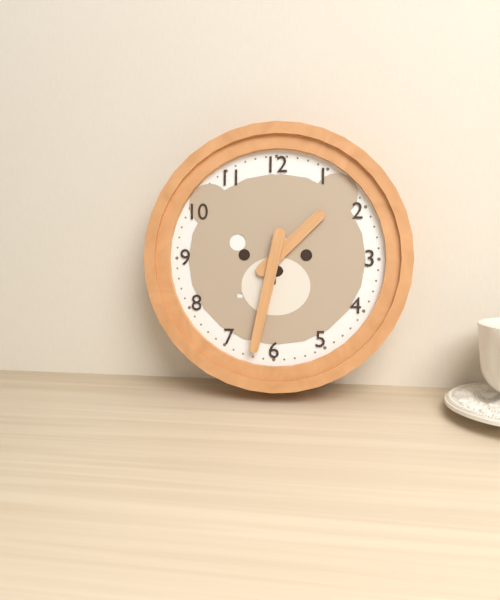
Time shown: **1:32**
